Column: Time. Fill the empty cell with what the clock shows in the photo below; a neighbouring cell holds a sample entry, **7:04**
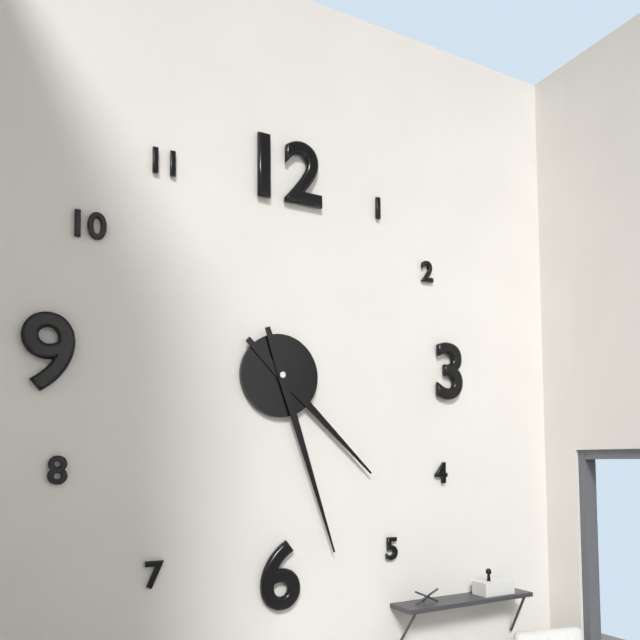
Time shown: **4:27**
